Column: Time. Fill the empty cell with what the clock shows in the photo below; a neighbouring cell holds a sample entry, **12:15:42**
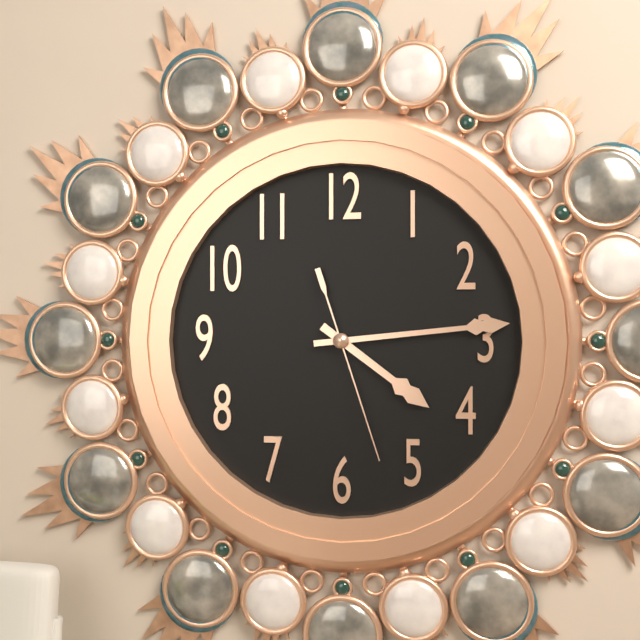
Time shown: **4:14:27**
